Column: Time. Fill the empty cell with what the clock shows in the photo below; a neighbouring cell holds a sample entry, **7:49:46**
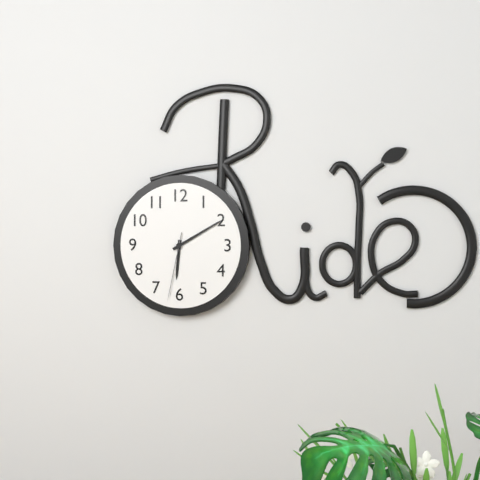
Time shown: **6:10:32**
